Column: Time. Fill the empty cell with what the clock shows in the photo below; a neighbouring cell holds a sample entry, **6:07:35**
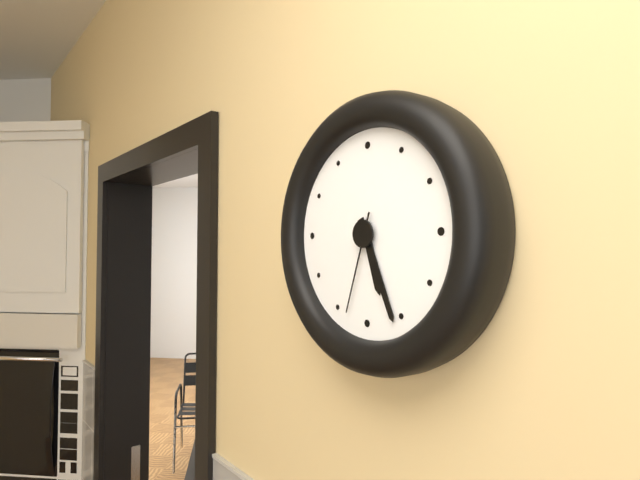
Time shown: **5:26:33**
